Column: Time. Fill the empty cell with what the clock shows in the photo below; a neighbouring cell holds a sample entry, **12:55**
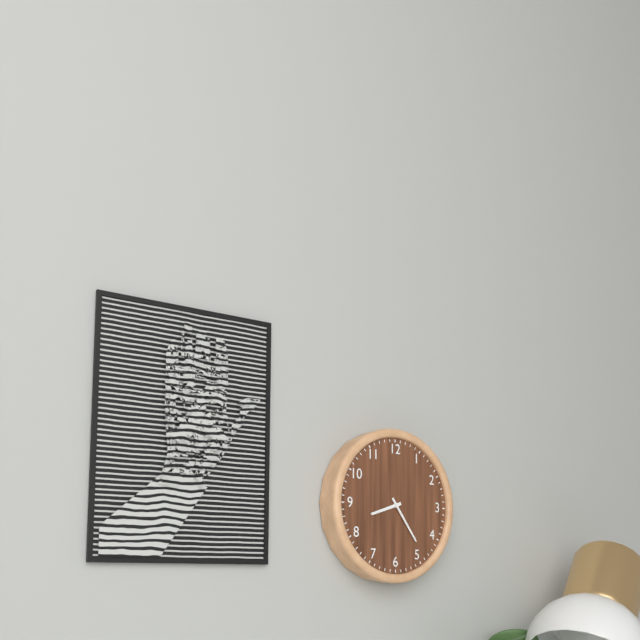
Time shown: **8:24**
